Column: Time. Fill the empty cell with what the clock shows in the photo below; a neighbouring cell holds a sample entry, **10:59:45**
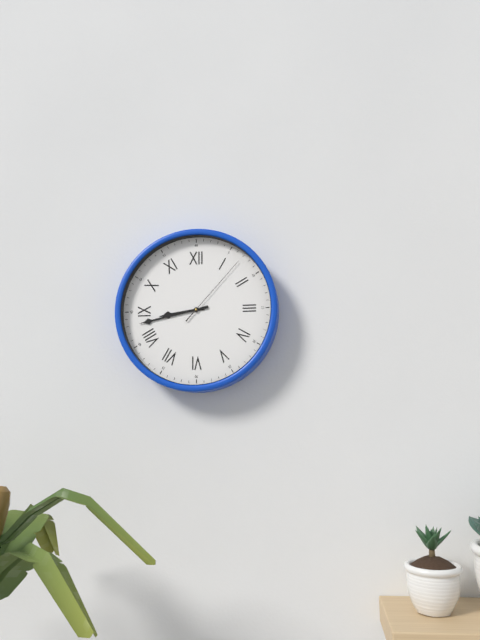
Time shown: **8:43:07**
